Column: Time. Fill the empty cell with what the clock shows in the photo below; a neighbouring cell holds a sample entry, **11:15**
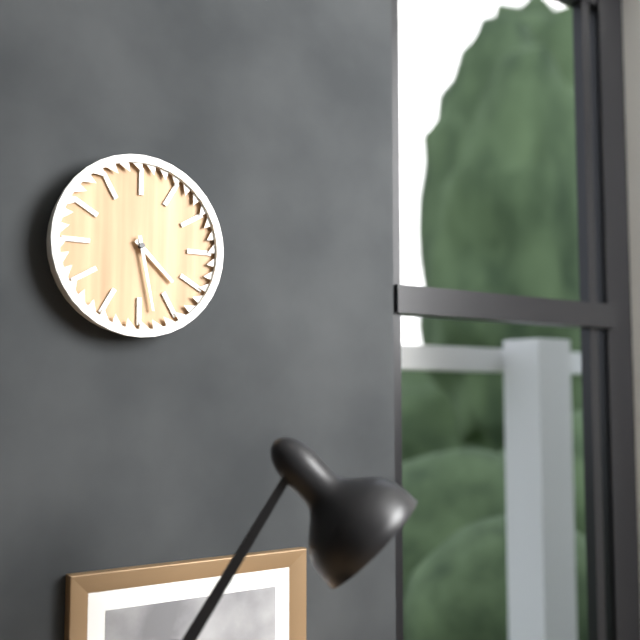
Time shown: **4:28**
